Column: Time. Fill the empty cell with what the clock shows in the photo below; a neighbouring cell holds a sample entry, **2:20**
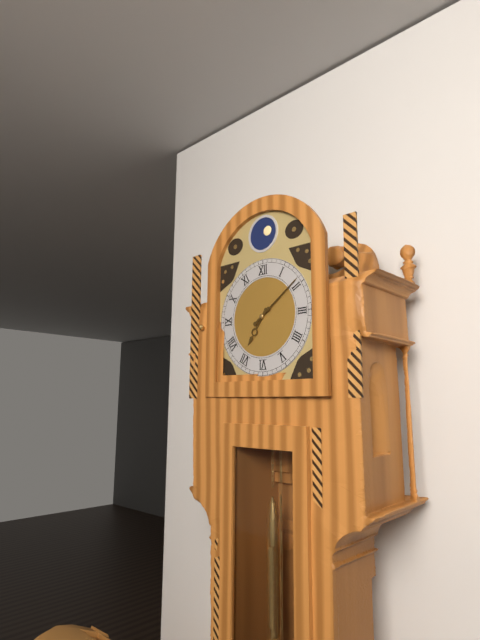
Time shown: **7:09**
